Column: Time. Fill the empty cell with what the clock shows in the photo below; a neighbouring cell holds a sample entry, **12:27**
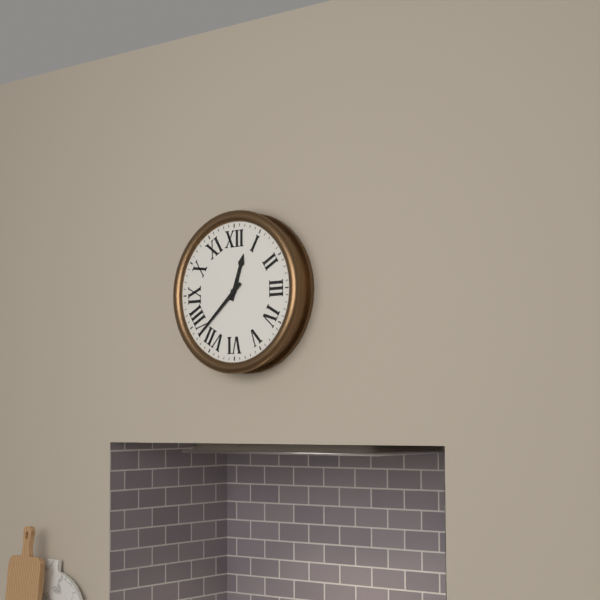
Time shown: **12:38**
